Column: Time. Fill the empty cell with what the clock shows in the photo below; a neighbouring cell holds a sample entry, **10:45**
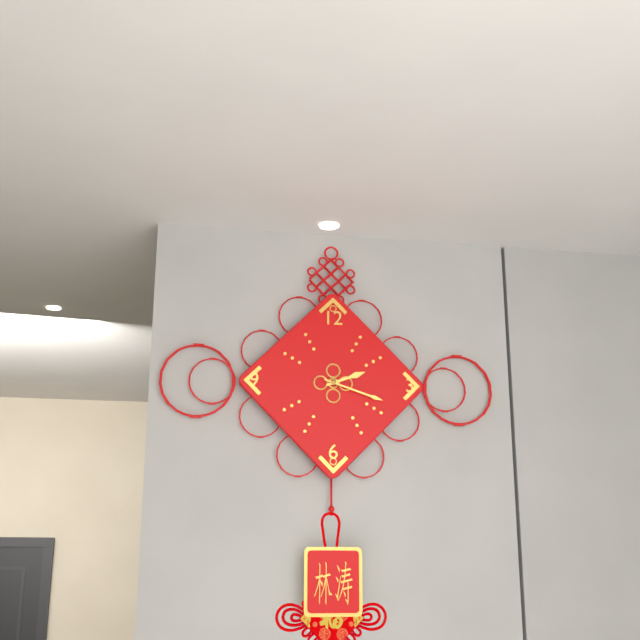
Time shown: **2:18**
